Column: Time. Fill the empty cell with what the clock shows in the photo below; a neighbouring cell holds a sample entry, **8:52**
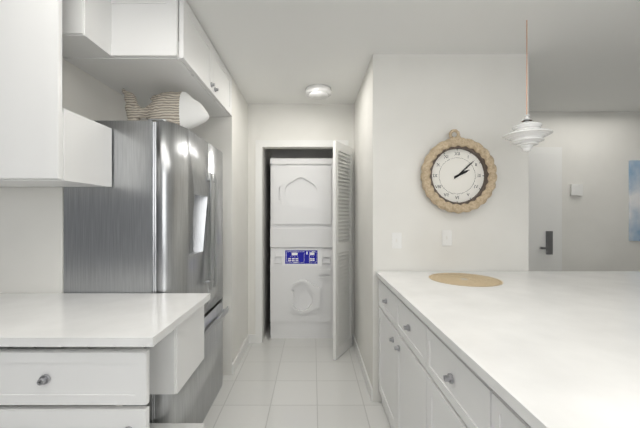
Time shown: **2:08**
